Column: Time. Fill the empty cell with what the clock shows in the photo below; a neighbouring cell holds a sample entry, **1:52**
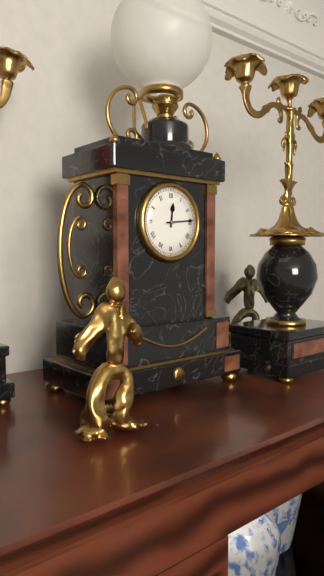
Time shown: **12:14**
